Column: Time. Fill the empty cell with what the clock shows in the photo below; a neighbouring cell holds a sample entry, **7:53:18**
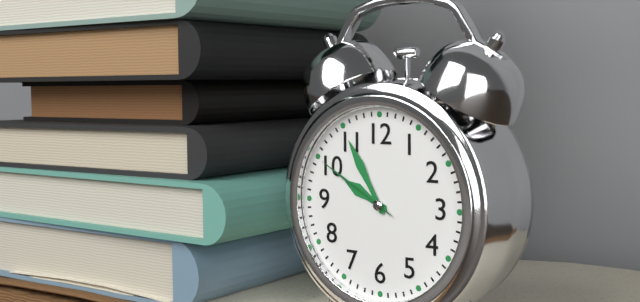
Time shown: **9:55:50**
